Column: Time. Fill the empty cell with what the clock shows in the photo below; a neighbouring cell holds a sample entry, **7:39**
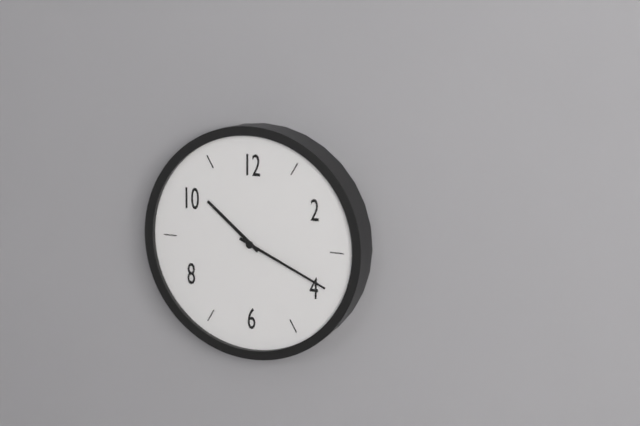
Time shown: **10:19**
